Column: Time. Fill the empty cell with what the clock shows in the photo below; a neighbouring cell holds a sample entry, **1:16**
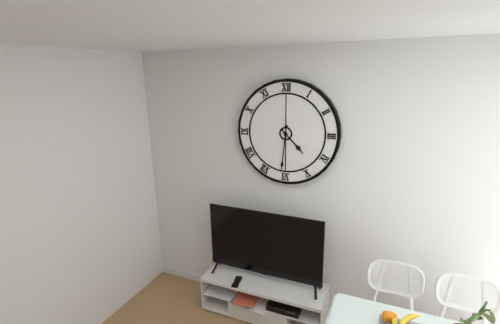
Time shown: **4:31**
